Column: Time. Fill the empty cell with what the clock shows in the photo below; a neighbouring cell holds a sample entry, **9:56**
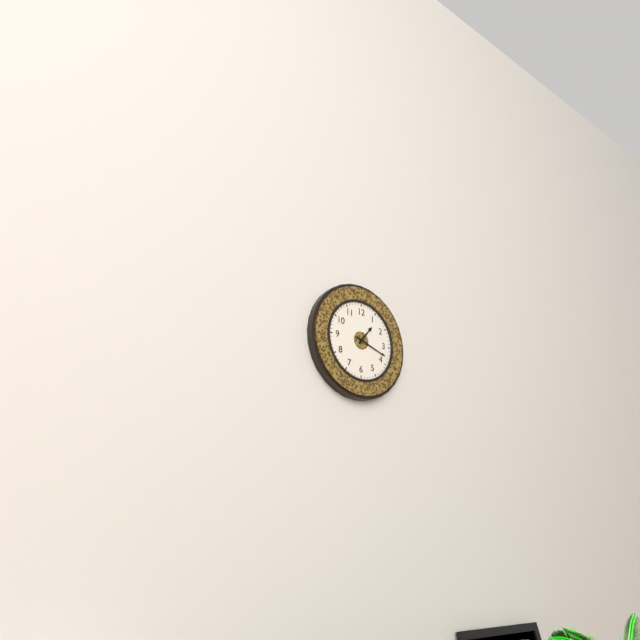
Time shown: **1:18**
